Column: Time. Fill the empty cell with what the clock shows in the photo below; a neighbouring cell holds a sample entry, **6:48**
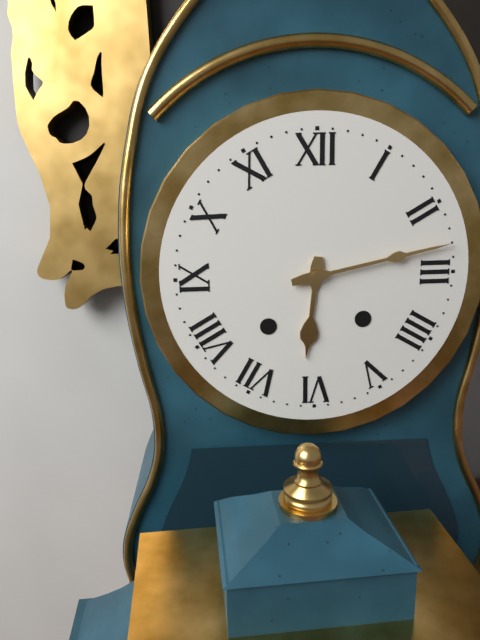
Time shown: **6:13**
